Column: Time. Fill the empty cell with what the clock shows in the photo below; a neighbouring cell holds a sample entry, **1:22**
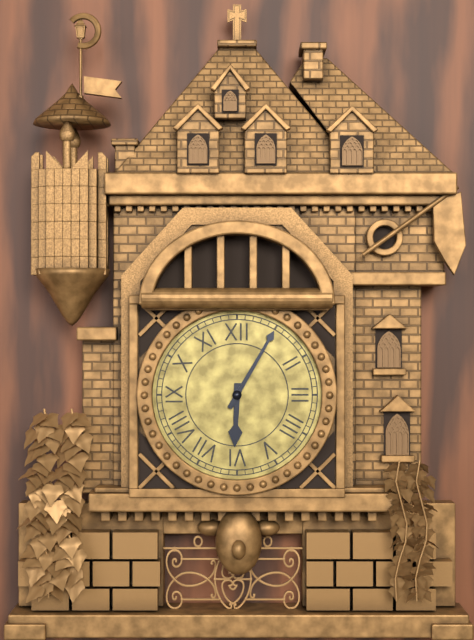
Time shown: **6:05**
